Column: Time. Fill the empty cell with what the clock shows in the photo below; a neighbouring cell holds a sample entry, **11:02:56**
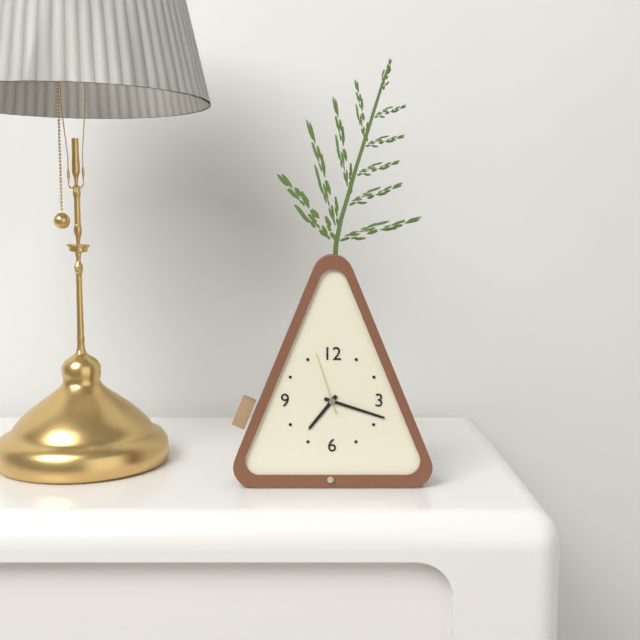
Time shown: **7:18:57**
